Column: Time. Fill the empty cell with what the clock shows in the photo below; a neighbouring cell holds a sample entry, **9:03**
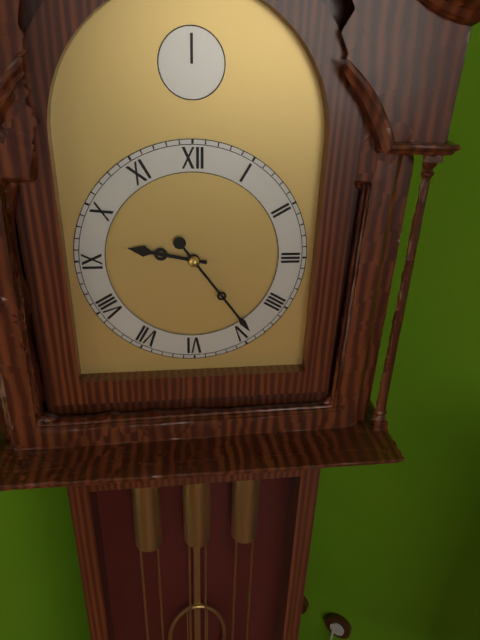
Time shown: **9:24**
